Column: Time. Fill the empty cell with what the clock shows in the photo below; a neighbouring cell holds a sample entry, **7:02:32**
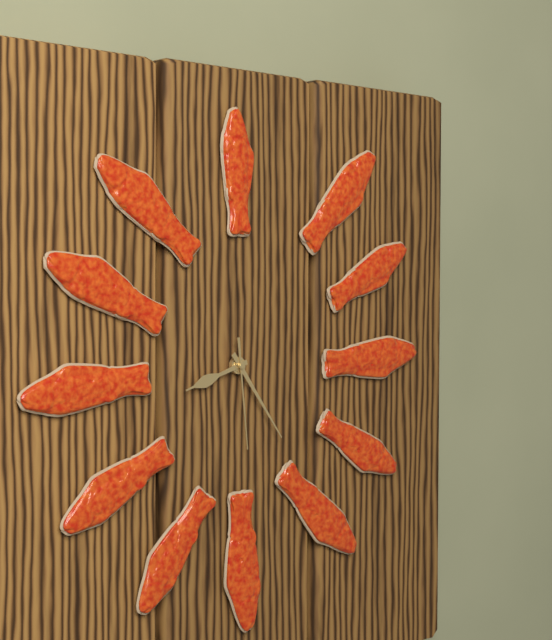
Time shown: **8:24:29**
